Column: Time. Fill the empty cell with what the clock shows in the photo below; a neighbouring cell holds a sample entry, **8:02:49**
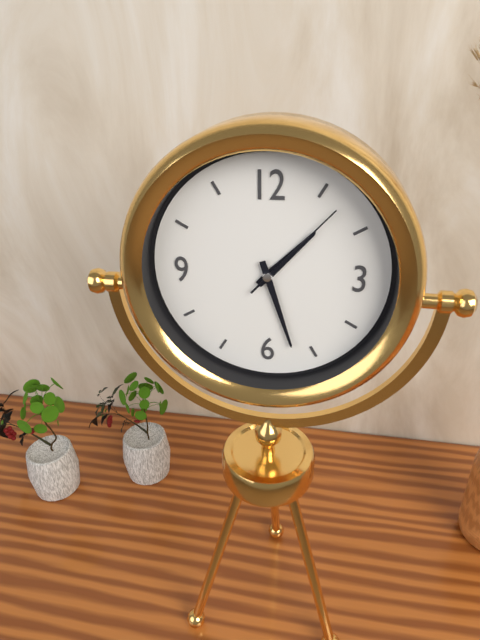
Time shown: **1:27:07**
